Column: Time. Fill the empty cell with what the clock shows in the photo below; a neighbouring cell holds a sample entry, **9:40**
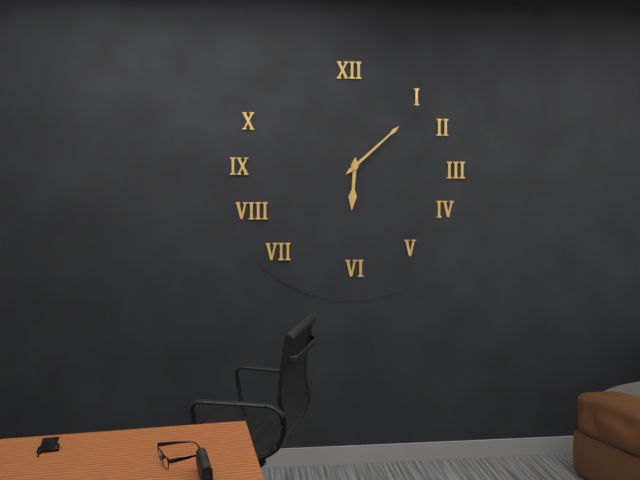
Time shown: **6:08**
